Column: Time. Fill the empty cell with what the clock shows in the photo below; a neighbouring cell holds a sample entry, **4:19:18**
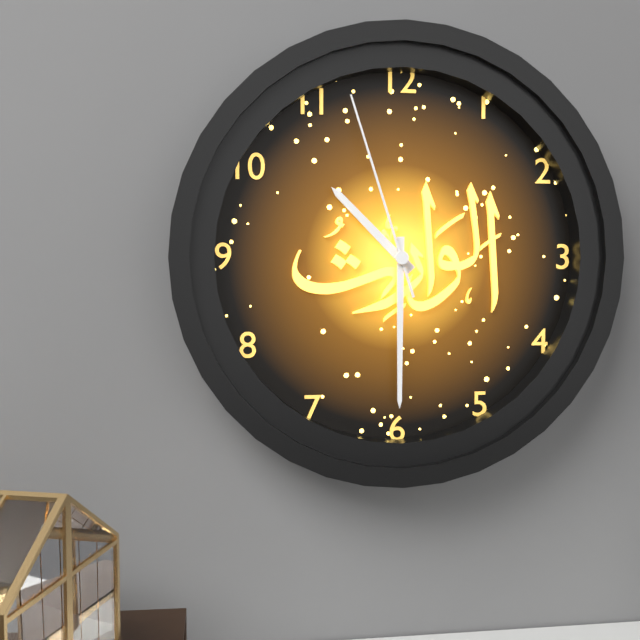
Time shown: **10:30:57**
